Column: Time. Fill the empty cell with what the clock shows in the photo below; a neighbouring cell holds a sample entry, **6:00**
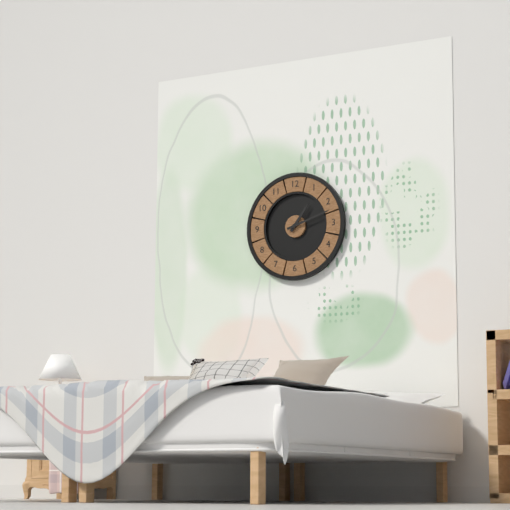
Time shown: **1:12**
